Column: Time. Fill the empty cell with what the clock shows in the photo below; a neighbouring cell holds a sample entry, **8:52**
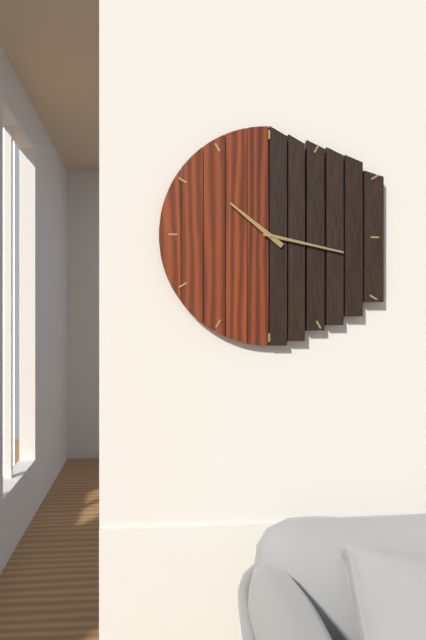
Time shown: **10:17**
